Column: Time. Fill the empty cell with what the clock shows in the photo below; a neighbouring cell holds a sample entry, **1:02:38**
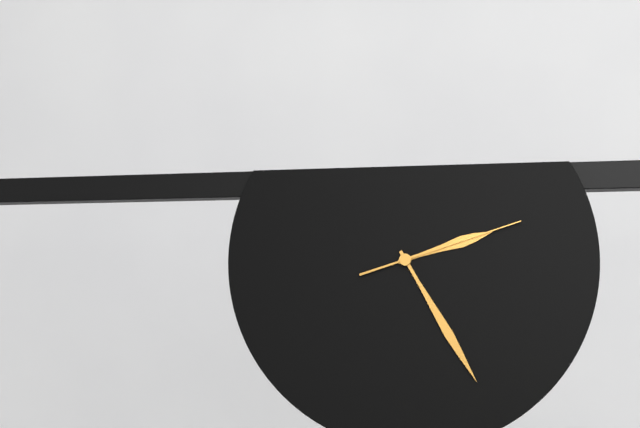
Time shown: **2:25:12**
